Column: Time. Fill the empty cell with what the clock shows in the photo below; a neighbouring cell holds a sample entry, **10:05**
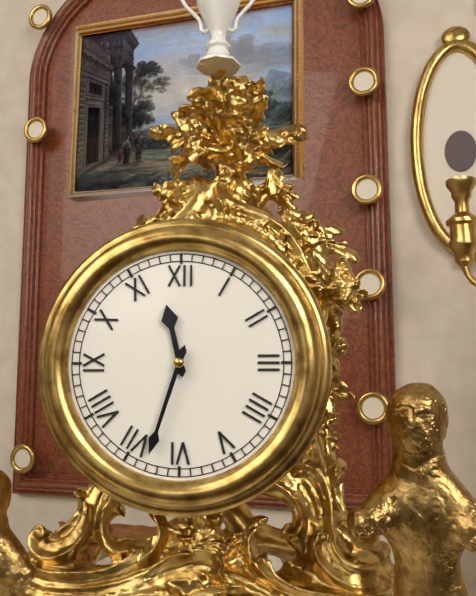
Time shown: **11:33**
